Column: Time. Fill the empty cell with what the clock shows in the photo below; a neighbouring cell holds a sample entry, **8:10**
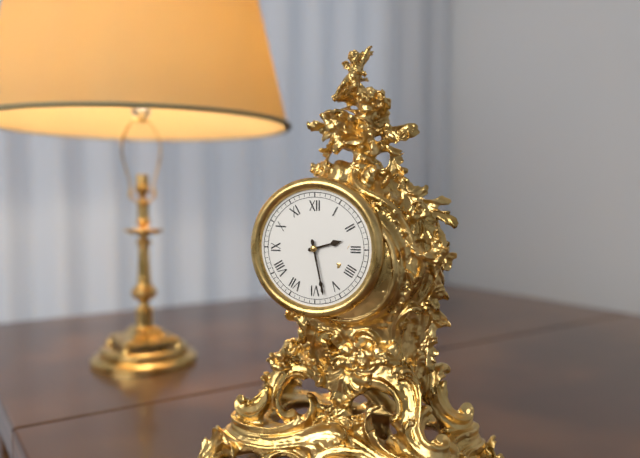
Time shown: **2:28**
